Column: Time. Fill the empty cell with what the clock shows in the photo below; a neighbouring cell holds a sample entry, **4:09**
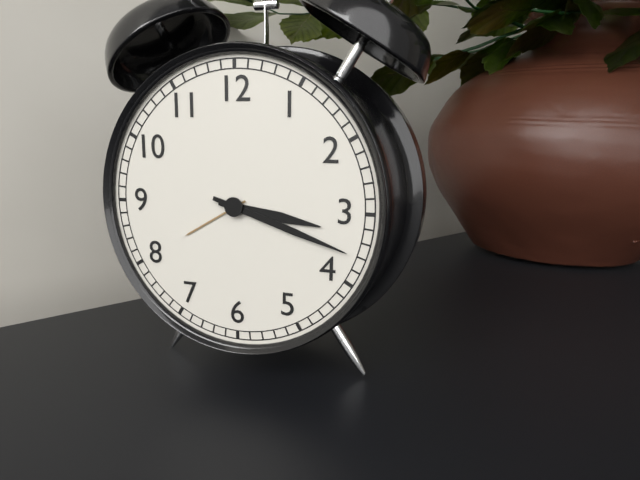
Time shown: **3:18**
